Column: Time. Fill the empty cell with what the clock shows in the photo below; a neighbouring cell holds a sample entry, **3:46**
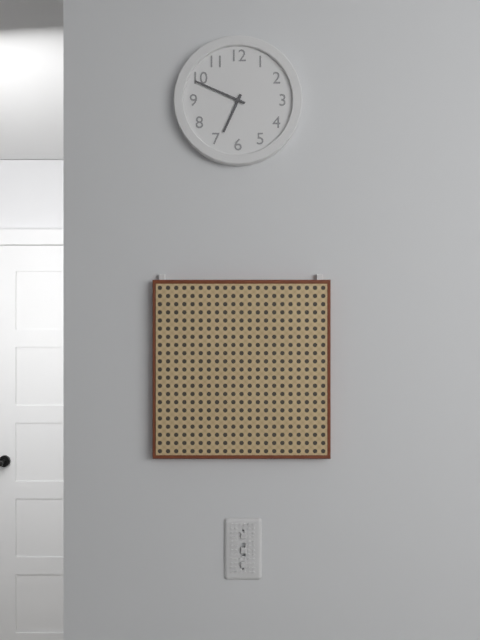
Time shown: **6:49**
